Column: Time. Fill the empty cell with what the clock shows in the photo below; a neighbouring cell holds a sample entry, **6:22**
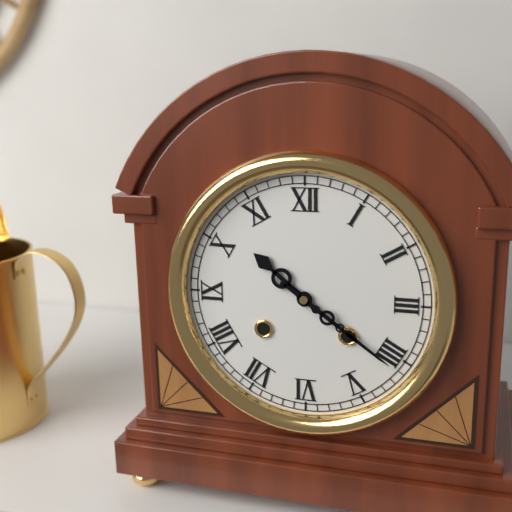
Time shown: **10:21**
